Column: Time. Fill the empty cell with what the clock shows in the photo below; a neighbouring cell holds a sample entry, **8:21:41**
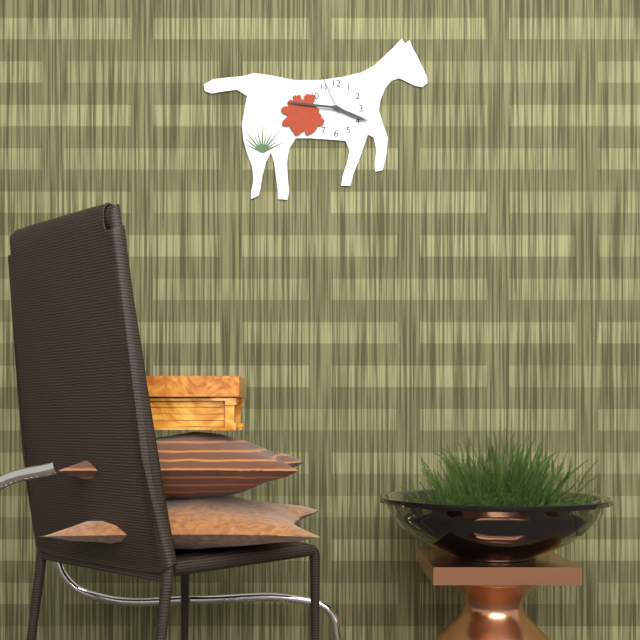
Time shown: **3:46:56**
